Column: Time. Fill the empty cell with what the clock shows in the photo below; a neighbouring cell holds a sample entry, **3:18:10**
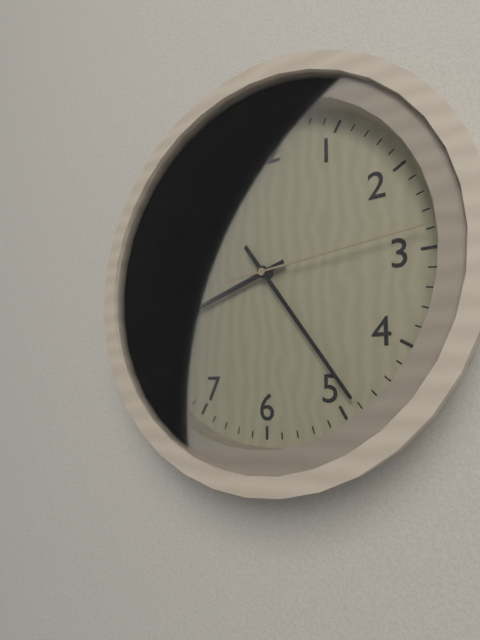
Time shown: **8:24:14**
